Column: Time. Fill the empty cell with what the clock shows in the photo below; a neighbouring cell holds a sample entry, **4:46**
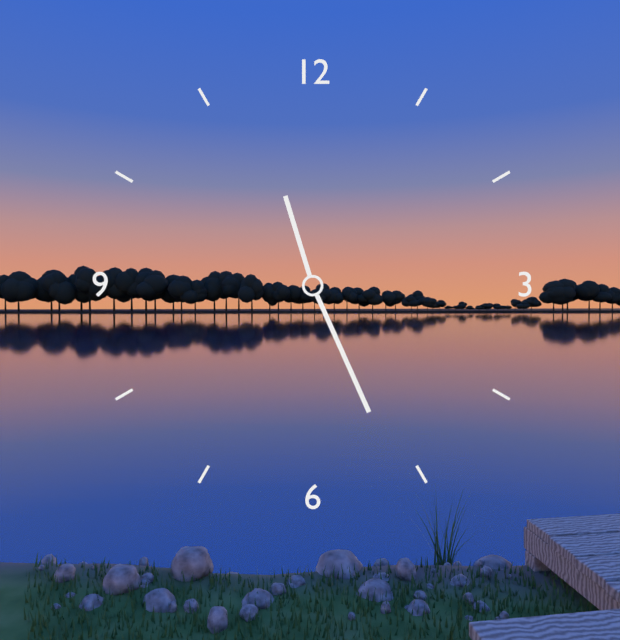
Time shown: **11:26**
